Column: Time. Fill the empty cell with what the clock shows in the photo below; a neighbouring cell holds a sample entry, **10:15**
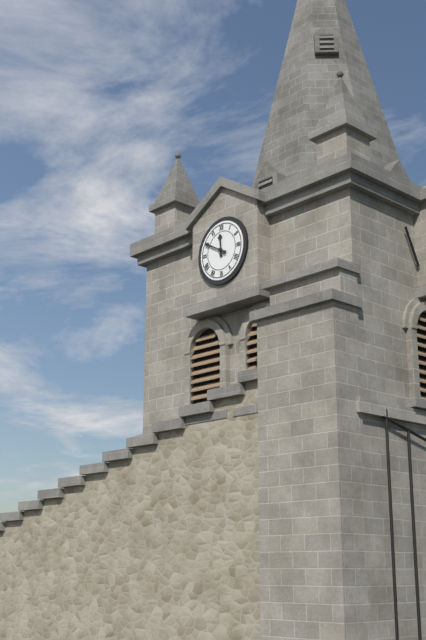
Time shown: **11:50**
